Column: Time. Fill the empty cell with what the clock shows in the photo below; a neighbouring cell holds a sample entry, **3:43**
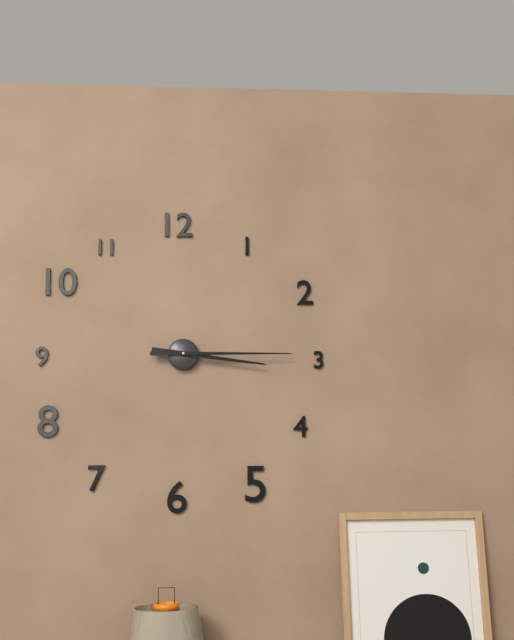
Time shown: **3:15**
